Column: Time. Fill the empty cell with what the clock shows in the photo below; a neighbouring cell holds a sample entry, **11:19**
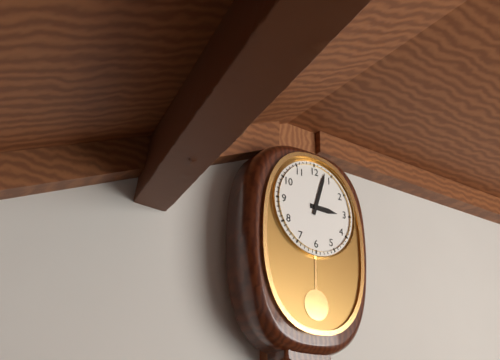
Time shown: **3:03**
